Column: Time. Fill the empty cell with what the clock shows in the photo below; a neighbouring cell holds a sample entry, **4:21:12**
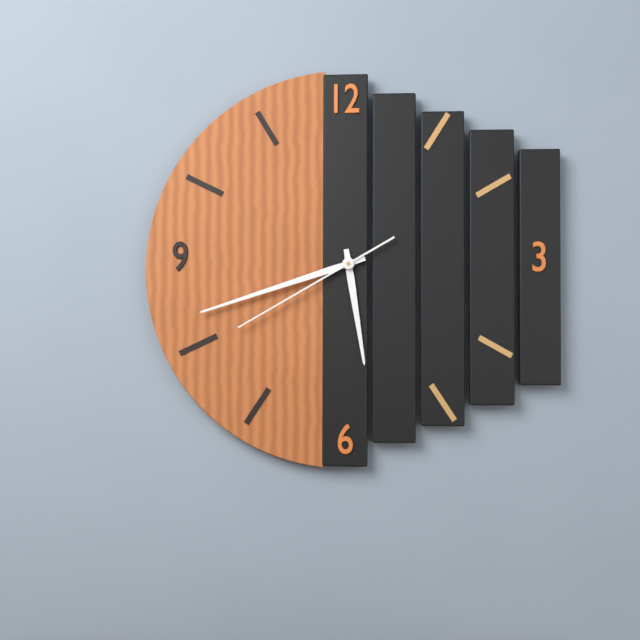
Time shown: **5:42:40**
